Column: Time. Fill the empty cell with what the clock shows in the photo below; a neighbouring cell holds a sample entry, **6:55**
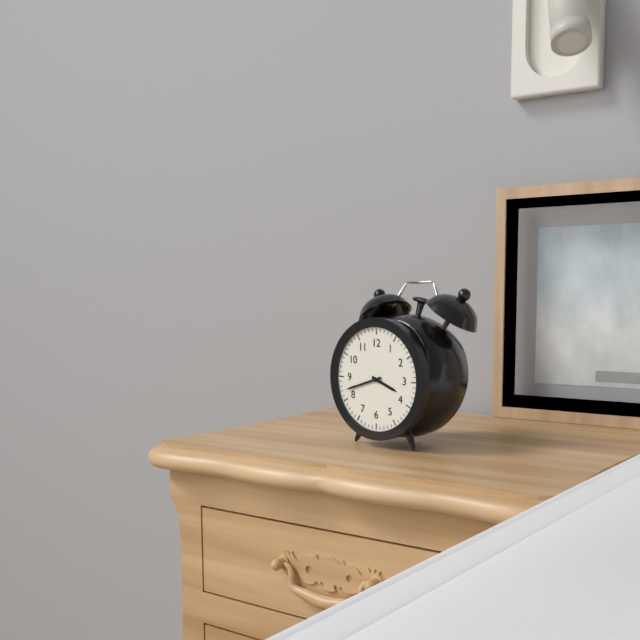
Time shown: **3:42**
